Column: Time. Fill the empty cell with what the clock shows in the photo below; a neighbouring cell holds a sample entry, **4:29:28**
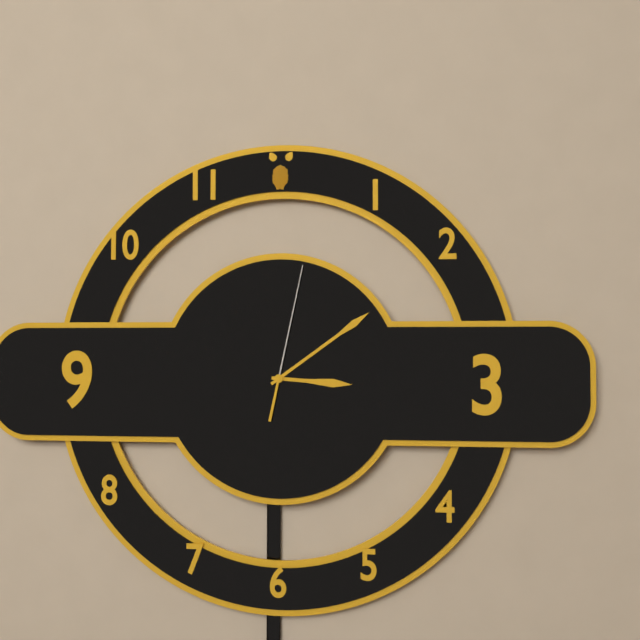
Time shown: **3:09:02**
